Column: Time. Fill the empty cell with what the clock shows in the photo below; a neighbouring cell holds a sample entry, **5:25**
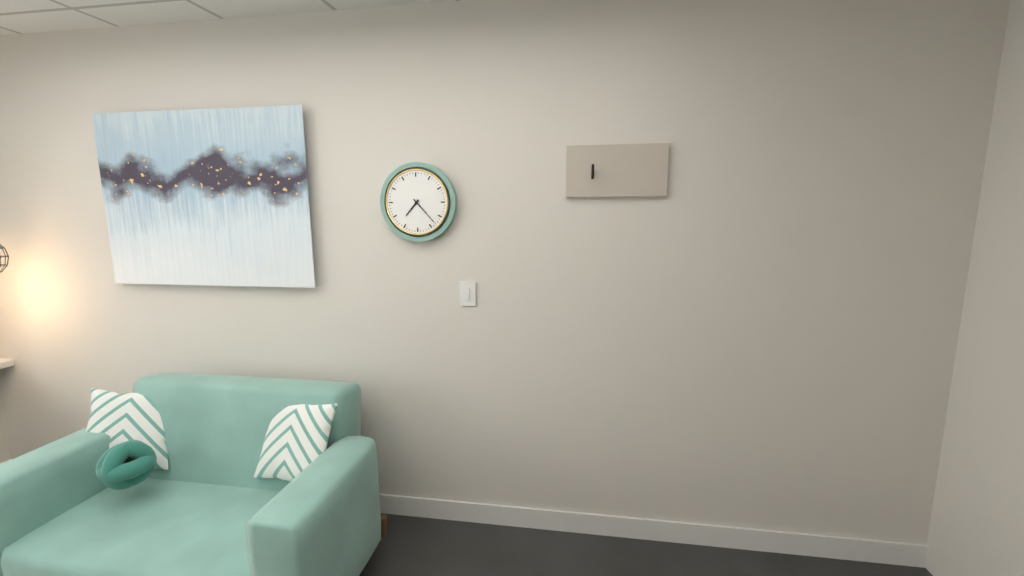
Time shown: **7:23**
